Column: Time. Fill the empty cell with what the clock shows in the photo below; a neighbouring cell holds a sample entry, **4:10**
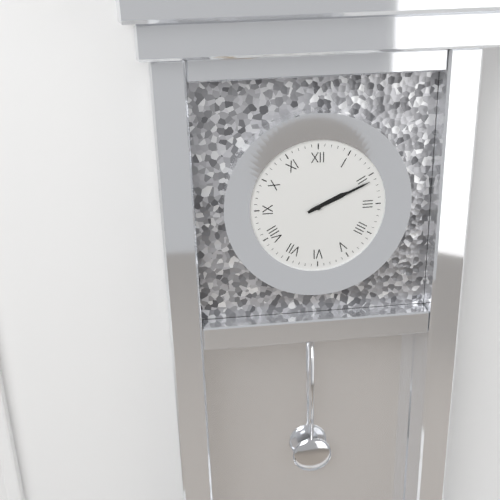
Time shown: **2:11**
